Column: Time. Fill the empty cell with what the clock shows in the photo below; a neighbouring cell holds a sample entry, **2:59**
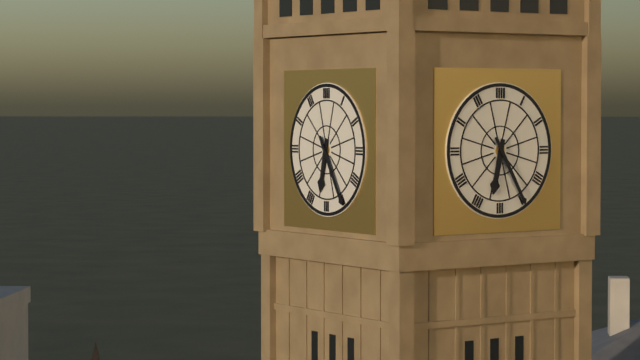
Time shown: **6:25**
